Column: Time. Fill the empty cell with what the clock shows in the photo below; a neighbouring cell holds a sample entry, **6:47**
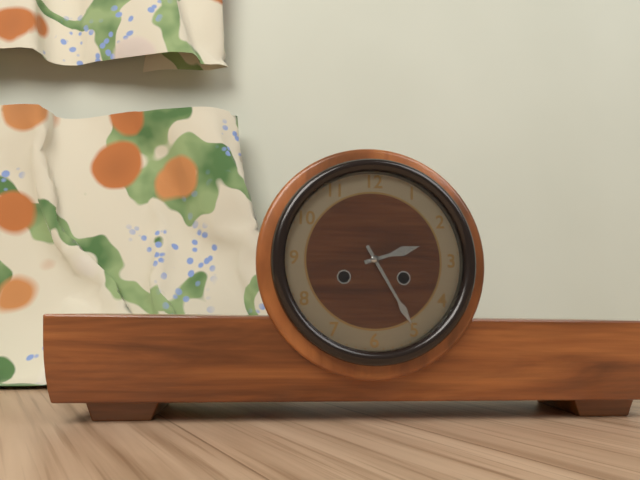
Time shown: **2:25**
